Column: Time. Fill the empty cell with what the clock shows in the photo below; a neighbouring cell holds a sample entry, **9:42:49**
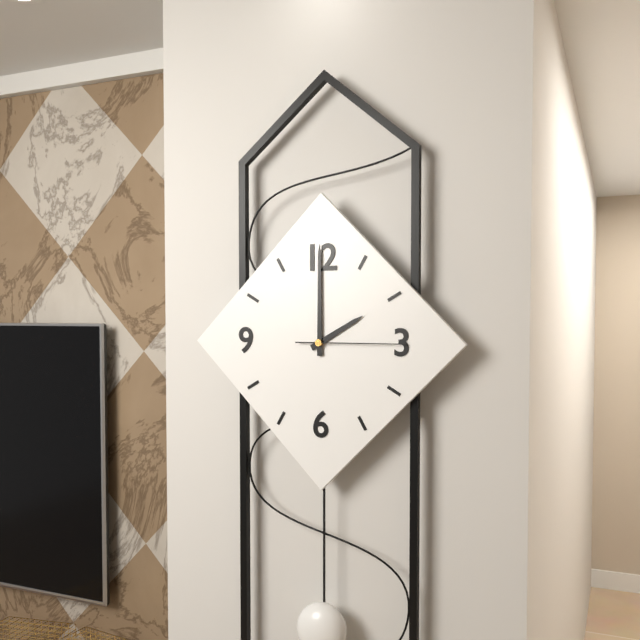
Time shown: **2:00:15**
